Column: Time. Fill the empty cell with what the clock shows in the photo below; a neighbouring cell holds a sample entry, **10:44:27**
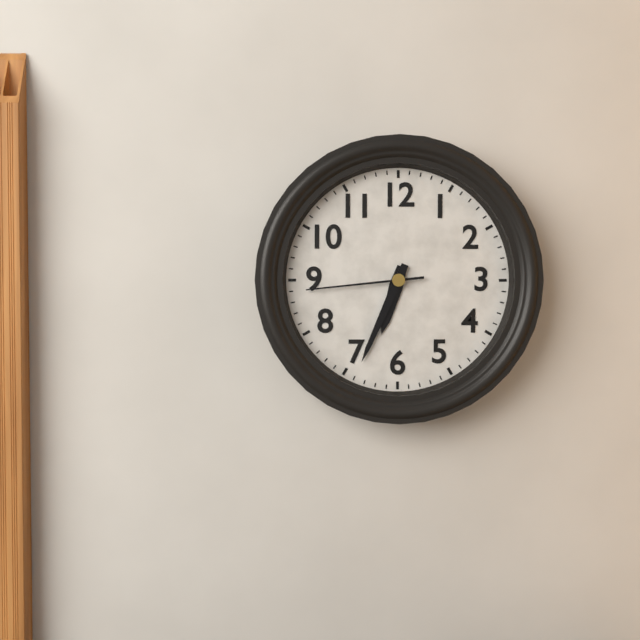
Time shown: **6:34:44**
